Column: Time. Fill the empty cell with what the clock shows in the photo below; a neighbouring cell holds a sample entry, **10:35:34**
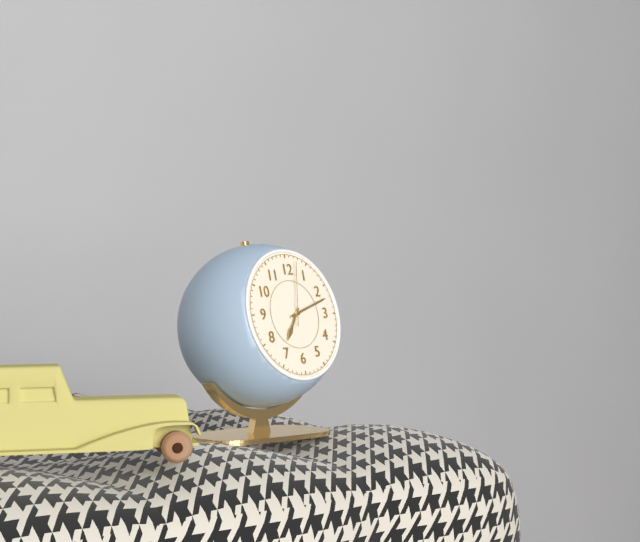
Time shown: **7:12:02**
